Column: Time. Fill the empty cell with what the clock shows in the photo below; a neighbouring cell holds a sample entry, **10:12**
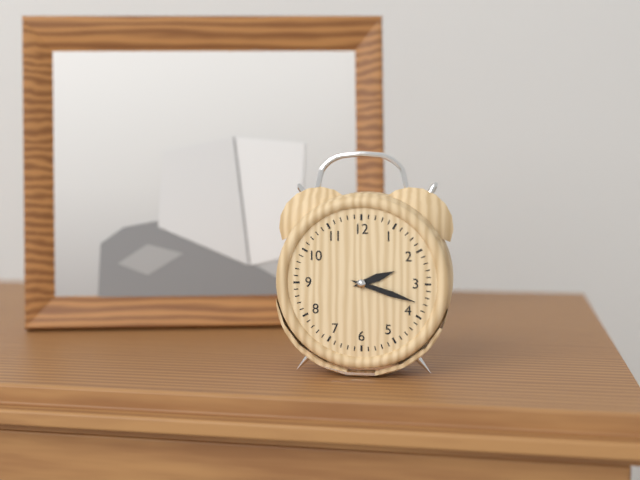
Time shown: **2:18**
